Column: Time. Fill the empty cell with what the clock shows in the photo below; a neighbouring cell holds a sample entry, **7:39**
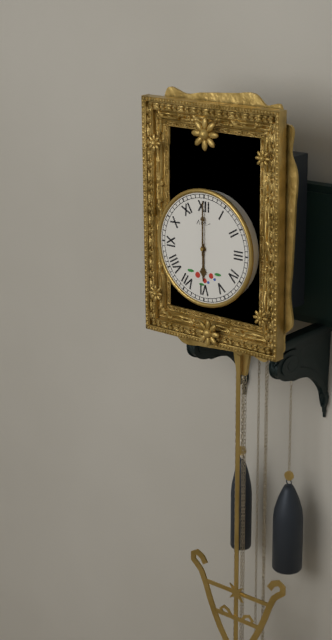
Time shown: **6:00**
